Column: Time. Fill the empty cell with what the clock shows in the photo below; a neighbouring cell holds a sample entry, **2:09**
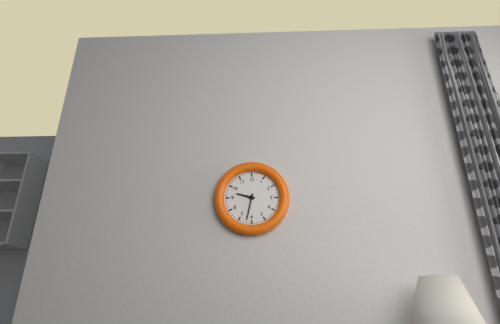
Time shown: **9:32**
